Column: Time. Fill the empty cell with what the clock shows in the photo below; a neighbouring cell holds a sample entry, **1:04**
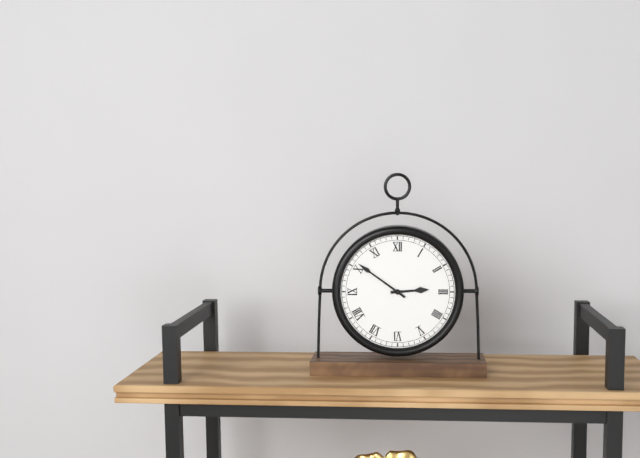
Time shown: **2:51**
